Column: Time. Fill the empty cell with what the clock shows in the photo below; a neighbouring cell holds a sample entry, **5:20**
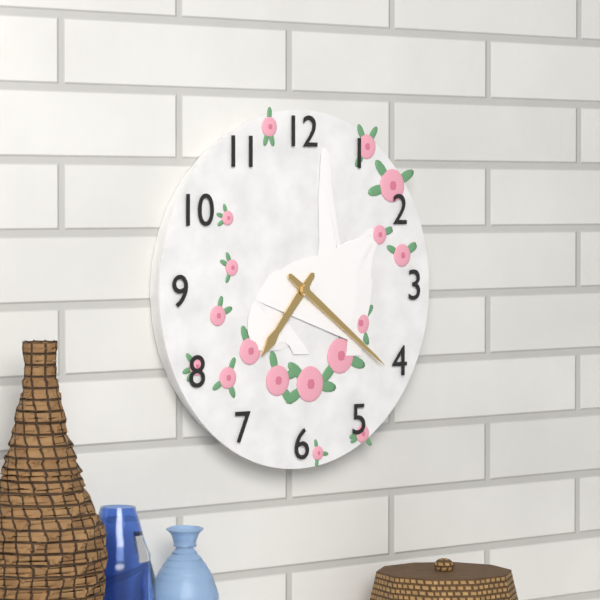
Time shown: **7:21**
